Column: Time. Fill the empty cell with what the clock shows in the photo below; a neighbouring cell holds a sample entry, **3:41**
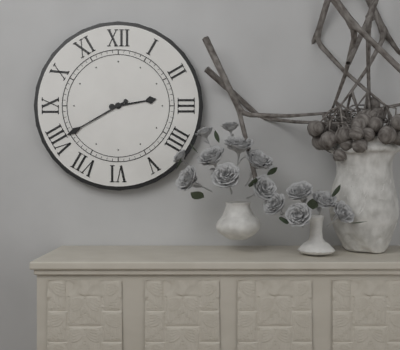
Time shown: **2:40**
